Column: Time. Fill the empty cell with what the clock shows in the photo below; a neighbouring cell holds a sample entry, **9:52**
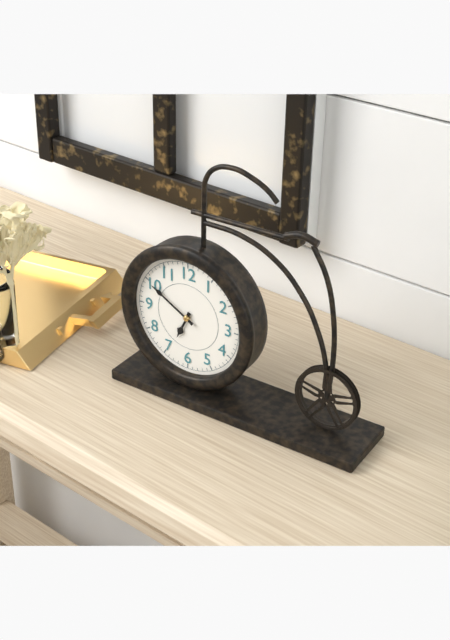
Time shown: **6:50**
